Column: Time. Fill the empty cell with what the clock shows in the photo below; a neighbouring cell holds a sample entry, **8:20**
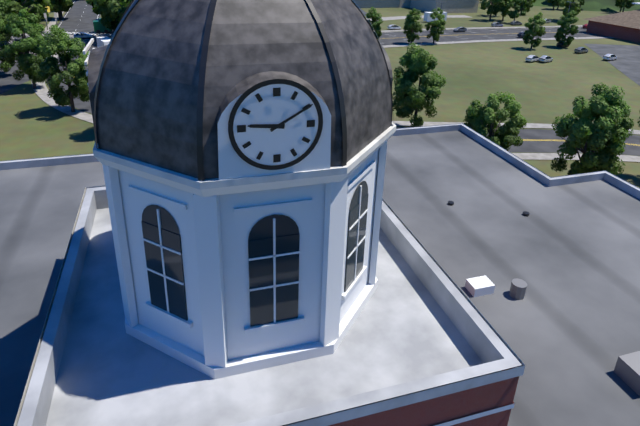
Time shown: **9:10**
